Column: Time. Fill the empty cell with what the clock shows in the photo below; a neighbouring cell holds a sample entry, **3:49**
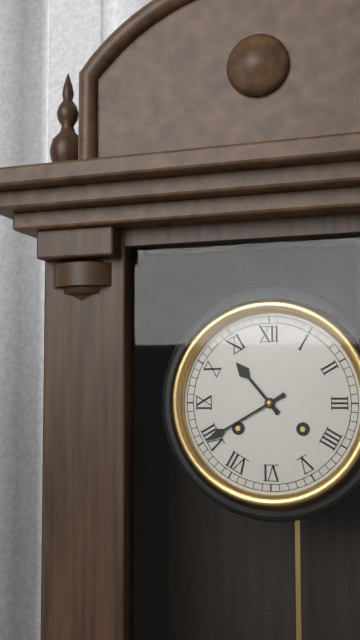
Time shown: **10:40**
